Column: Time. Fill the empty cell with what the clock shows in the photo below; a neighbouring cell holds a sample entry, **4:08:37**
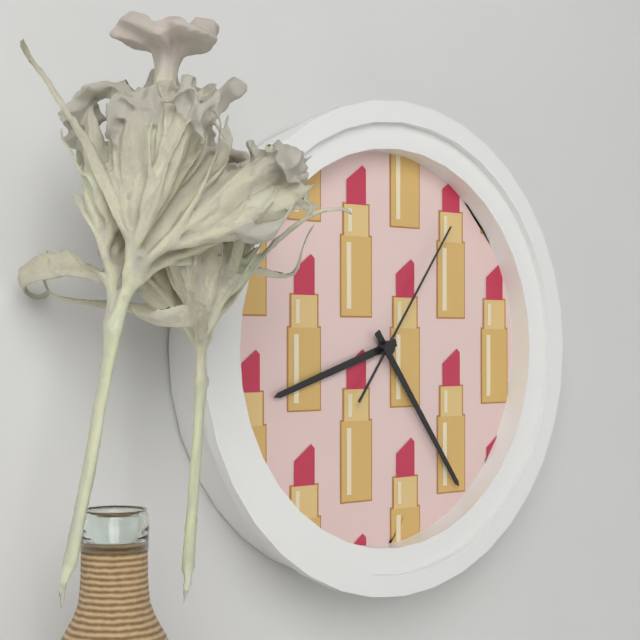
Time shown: **8:24:06**
